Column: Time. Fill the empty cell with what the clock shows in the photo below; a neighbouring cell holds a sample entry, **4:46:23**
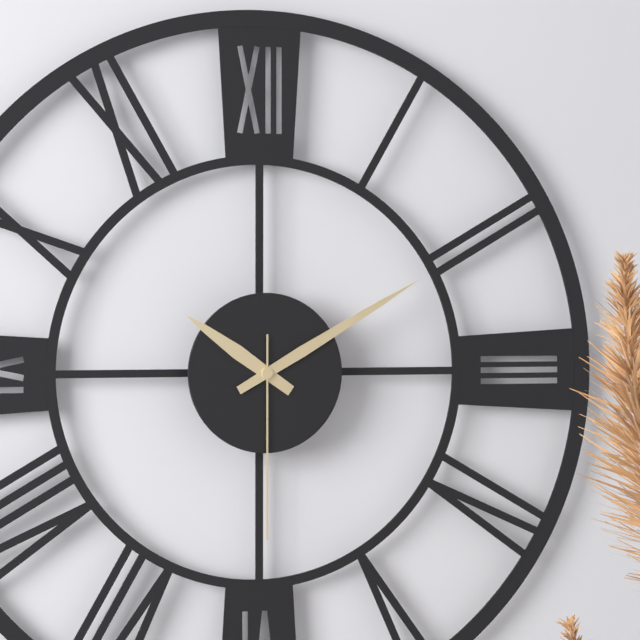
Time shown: **10:10:30**
